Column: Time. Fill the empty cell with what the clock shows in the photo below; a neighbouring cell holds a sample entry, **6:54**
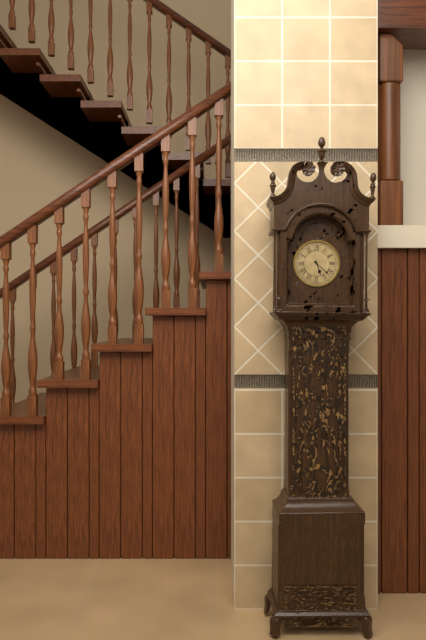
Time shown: **5:22**
